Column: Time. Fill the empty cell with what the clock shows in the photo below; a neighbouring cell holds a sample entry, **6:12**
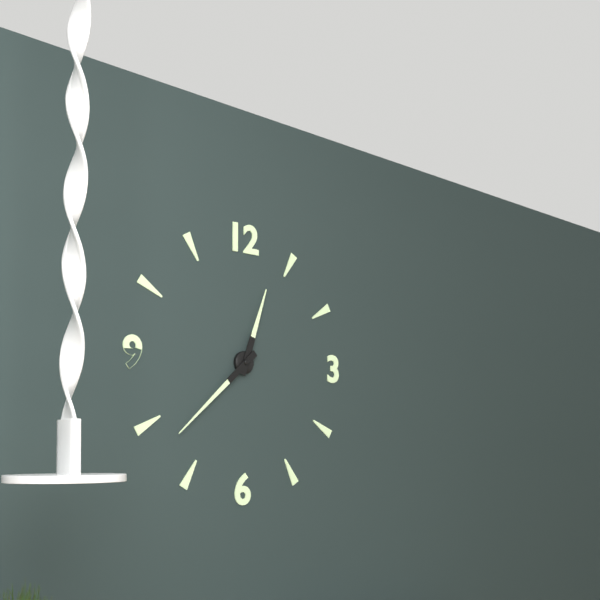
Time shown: **12:38**
